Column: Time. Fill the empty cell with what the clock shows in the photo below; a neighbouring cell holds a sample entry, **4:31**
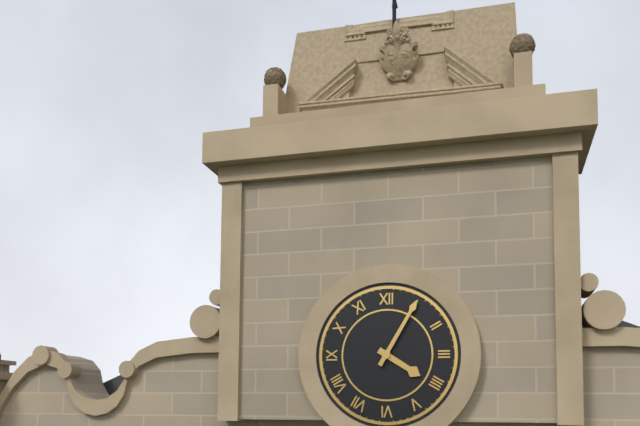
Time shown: **4:05**
